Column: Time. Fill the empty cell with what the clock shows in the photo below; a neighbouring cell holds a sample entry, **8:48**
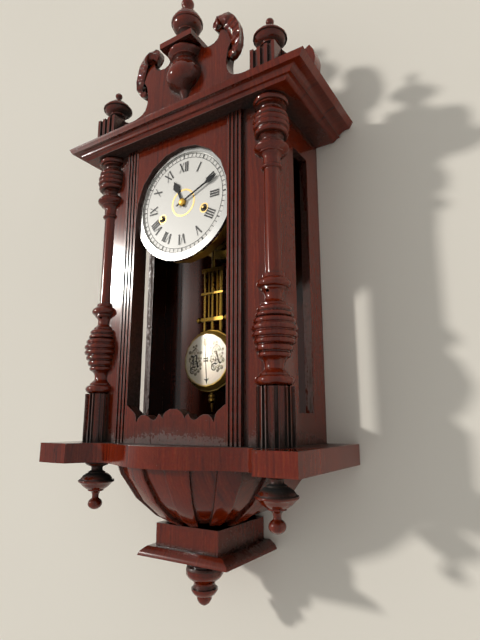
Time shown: **11:11**
